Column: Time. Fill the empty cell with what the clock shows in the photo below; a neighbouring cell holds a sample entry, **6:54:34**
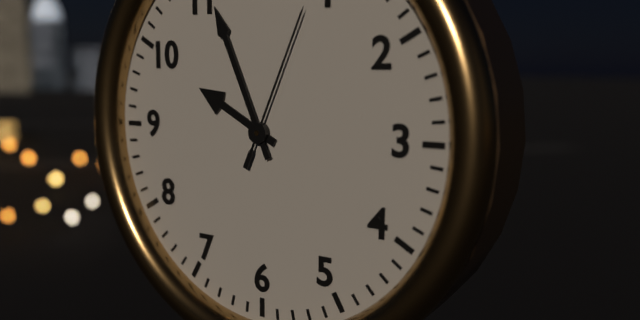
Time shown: **9:56:04**
